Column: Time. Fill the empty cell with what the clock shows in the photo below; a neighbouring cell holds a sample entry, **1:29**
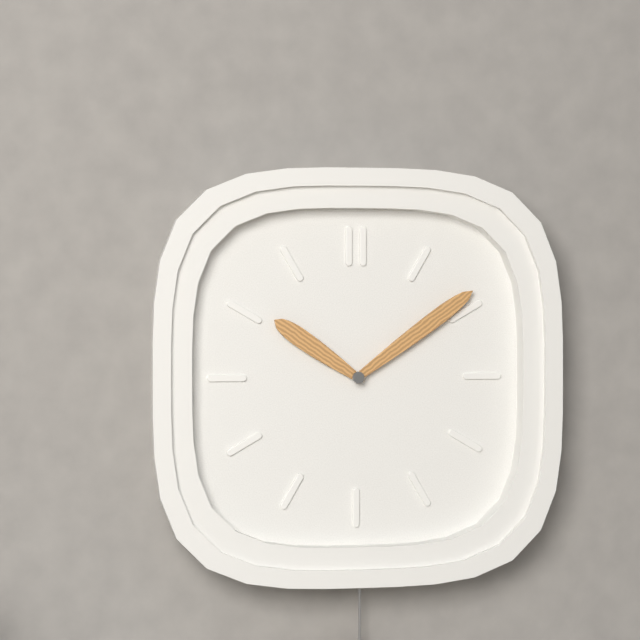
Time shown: **10:09**
